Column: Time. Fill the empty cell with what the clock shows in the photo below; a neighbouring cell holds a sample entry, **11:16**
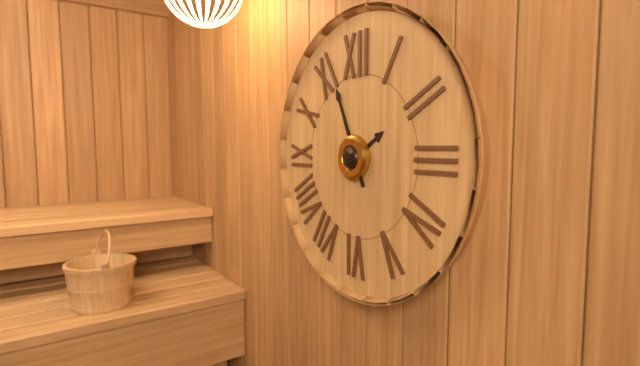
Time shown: **1:56**
